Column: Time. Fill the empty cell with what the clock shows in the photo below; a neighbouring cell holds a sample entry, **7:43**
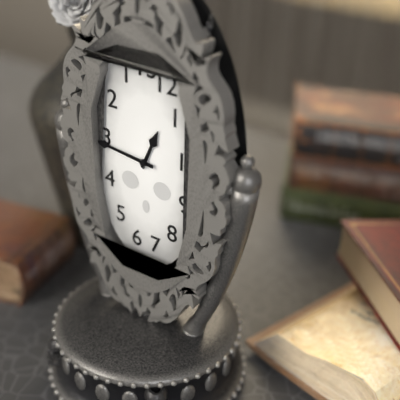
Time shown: **12:46**
